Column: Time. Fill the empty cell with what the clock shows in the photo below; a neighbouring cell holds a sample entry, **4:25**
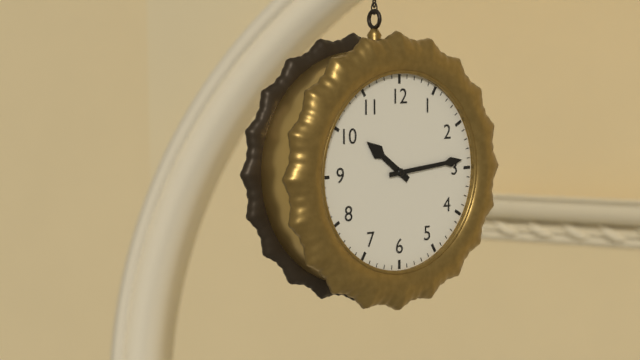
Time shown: **10:14**
